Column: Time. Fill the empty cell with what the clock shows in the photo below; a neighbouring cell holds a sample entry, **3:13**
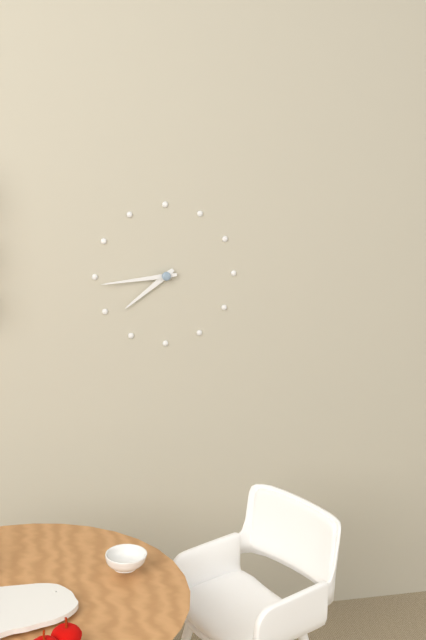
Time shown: **7:44**
